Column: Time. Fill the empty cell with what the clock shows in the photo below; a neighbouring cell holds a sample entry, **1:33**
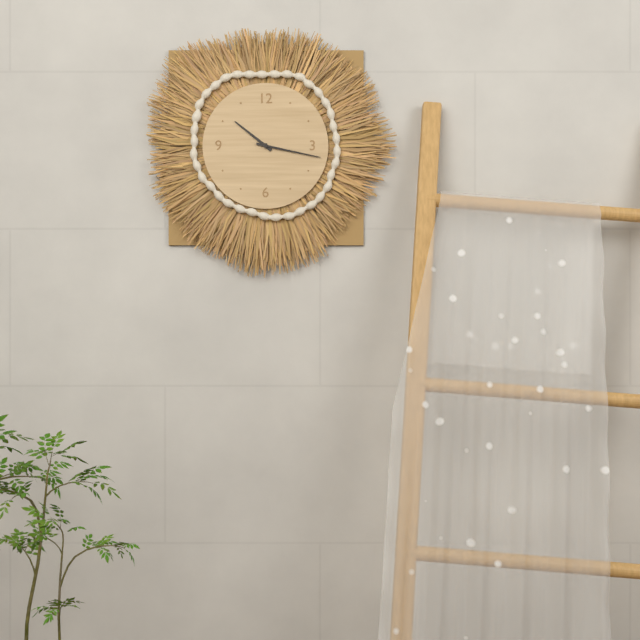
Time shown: **10:17**
